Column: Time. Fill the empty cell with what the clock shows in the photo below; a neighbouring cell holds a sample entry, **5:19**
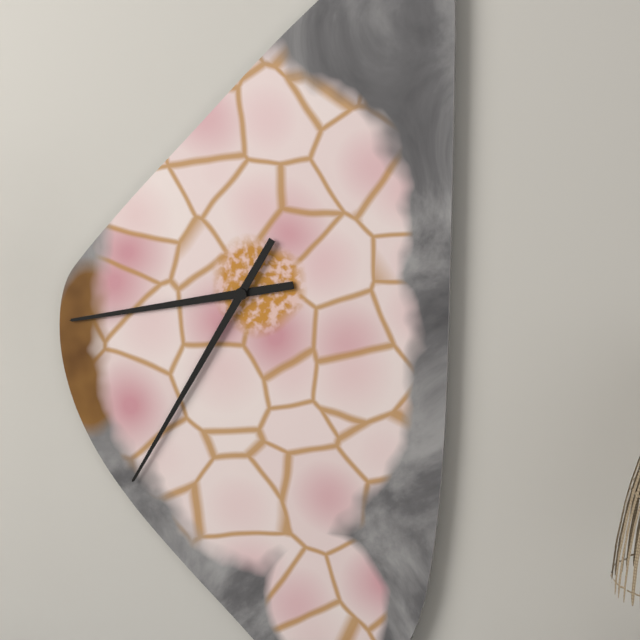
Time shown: **8:35**
